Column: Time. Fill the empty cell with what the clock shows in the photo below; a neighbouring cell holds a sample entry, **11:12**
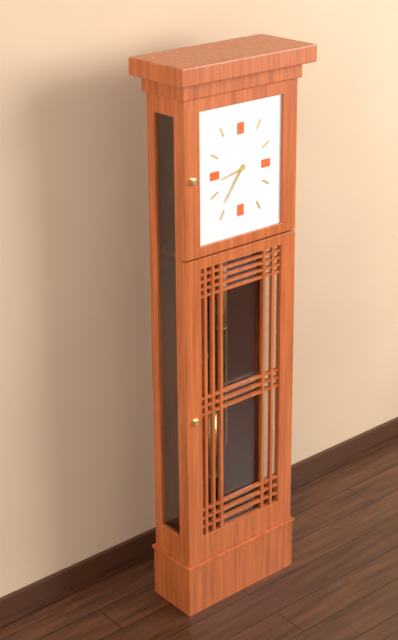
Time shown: **8:36**
